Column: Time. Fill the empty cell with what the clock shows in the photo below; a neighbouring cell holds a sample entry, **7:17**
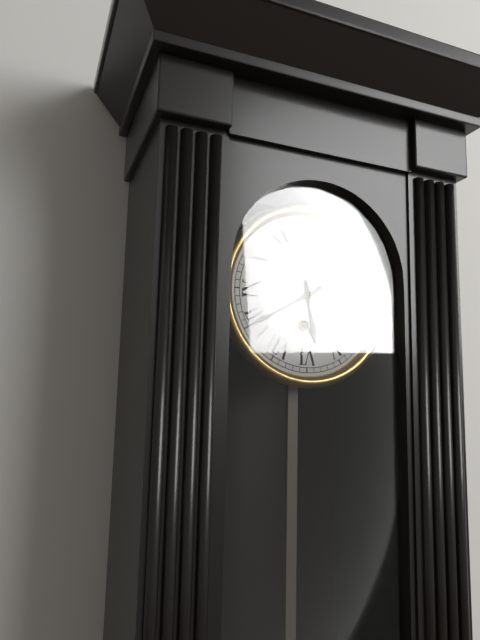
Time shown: **5:40**
